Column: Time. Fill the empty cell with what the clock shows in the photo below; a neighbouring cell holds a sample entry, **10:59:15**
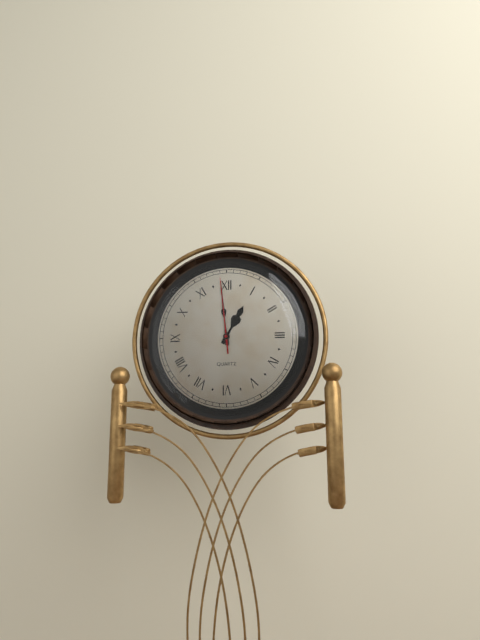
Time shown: **12:59:59**
